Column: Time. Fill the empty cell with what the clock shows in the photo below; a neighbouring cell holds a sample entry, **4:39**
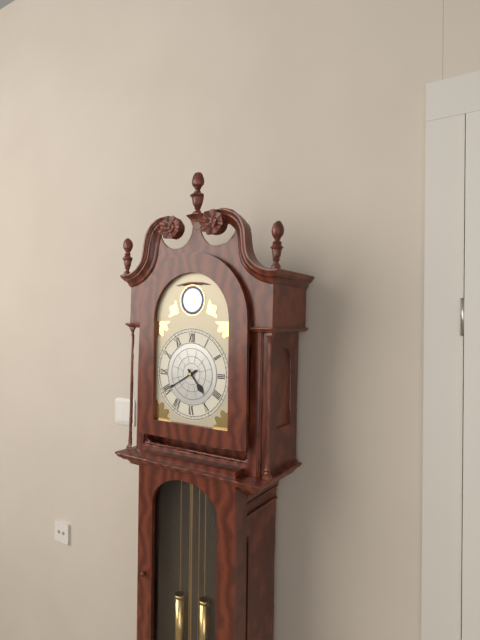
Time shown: **4:40**
